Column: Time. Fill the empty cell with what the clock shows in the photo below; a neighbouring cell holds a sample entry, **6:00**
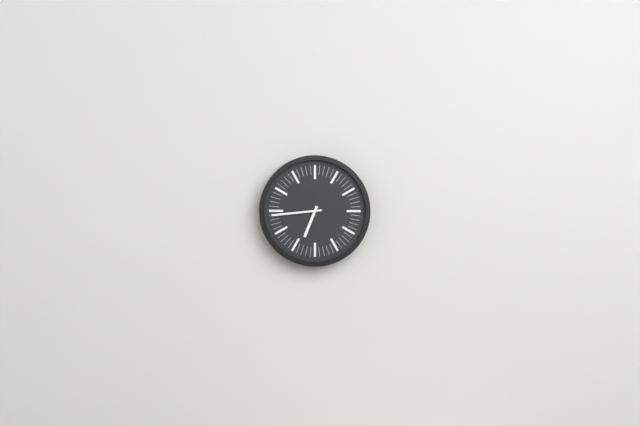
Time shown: **6:44**
